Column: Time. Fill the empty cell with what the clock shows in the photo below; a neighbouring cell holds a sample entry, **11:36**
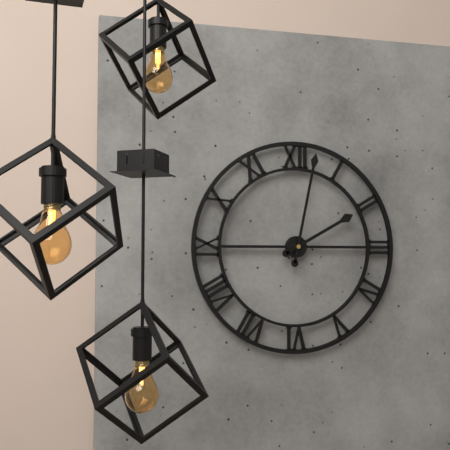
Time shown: **2:02**
